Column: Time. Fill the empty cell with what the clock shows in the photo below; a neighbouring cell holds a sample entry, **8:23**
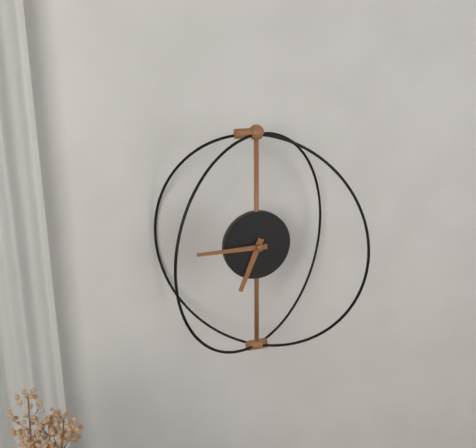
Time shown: **6:45**
